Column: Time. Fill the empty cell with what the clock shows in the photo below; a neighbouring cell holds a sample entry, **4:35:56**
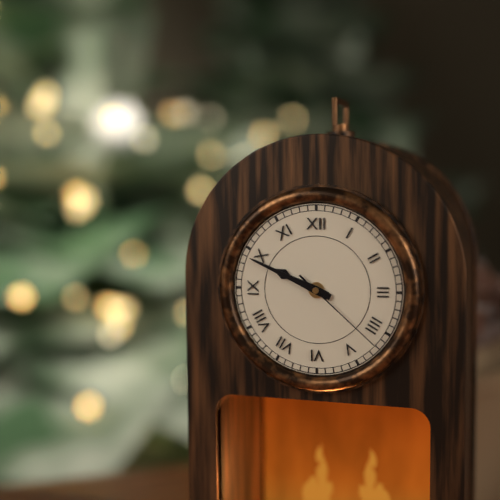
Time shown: **9:49:22**
